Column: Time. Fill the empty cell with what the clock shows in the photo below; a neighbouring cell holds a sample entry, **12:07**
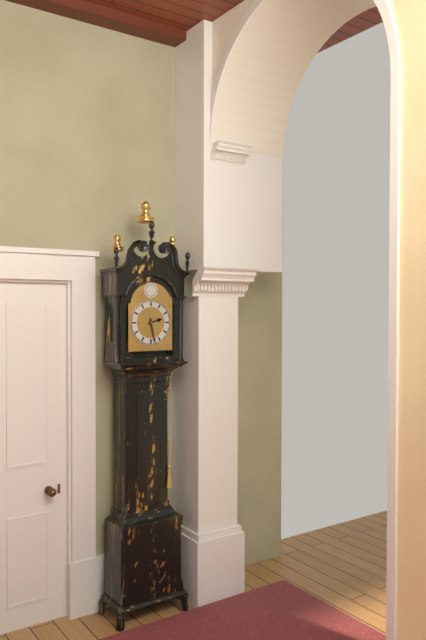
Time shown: **2:28**
